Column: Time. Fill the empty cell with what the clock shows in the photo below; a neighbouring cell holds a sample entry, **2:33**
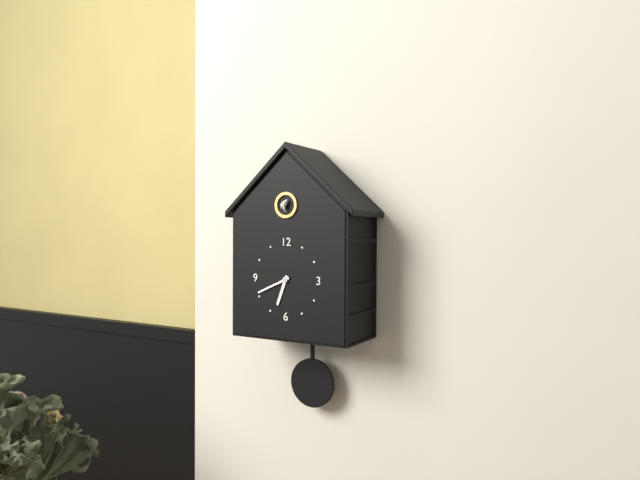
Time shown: **6:41**
